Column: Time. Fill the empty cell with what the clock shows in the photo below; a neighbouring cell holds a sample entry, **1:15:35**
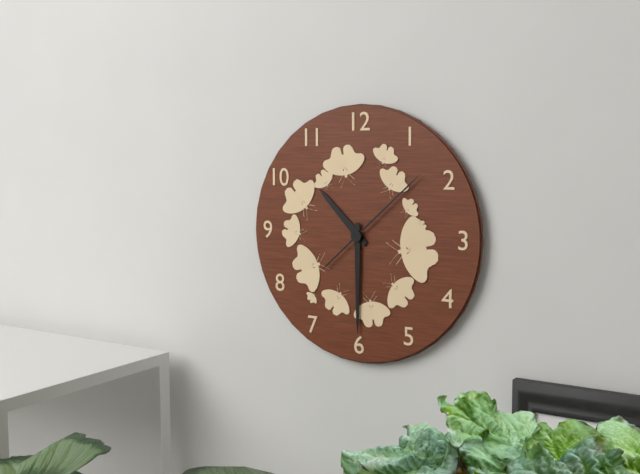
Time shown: **10:30:08**
